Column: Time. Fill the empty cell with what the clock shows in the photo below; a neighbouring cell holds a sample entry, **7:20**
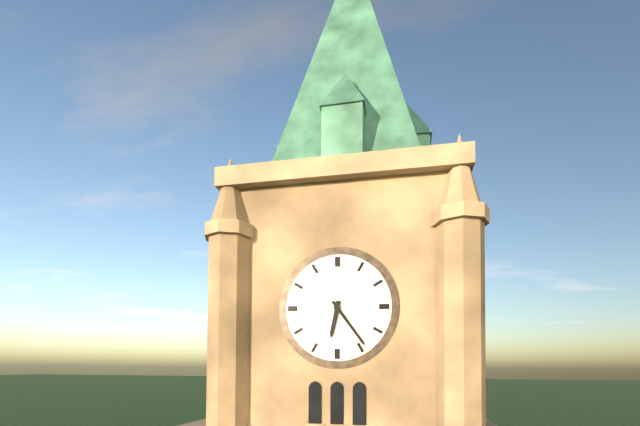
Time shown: **6:24**
